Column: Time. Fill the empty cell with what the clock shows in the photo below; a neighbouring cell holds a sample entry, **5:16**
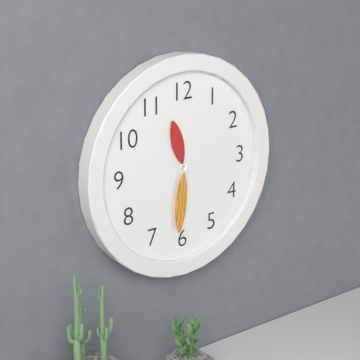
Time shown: **11:31**
